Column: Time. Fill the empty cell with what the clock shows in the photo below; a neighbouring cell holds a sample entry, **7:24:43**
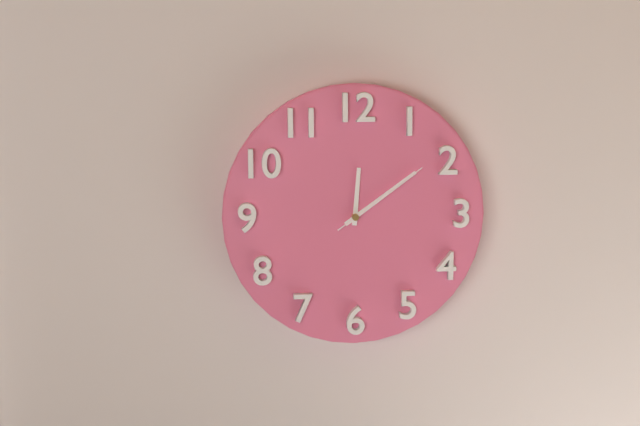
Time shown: **12:09:09**
